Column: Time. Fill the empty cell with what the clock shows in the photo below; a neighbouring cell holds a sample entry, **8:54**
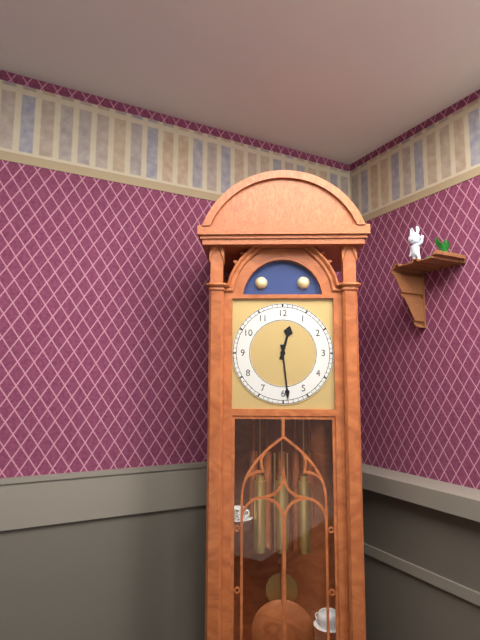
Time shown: **12:29**
